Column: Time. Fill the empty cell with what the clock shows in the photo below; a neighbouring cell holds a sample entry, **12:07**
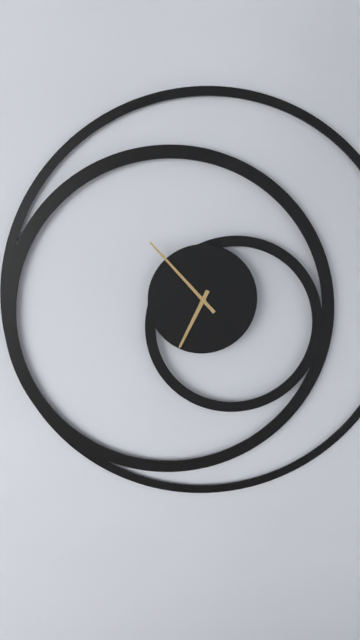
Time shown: **6:53**
